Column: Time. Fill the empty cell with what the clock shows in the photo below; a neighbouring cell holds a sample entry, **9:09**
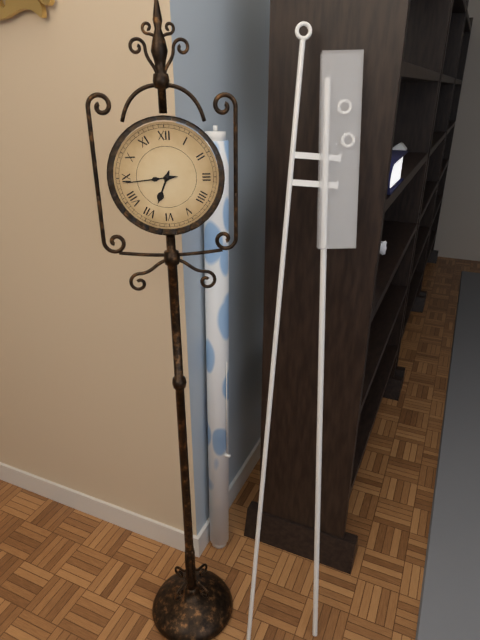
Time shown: **6:44**
